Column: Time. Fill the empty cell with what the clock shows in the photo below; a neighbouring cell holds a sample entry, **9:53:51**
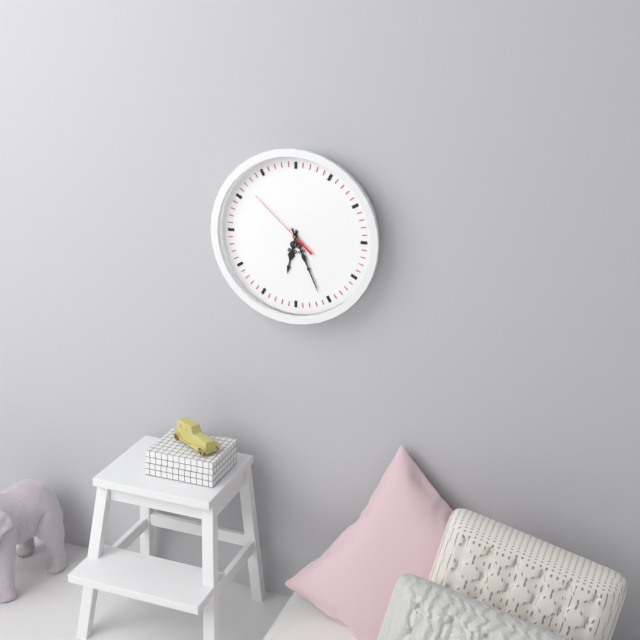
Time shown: **6:26:52**
